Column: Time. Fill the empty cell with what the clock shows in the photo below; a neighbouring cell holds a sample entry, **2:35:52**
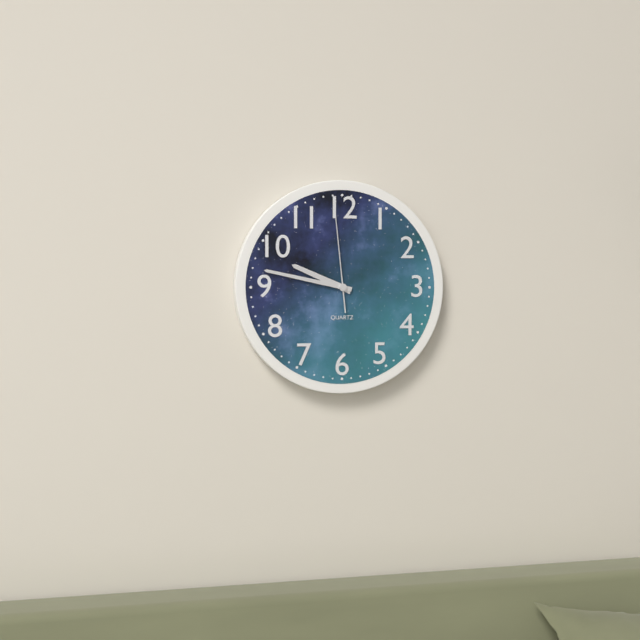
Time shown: **9:47:59**
